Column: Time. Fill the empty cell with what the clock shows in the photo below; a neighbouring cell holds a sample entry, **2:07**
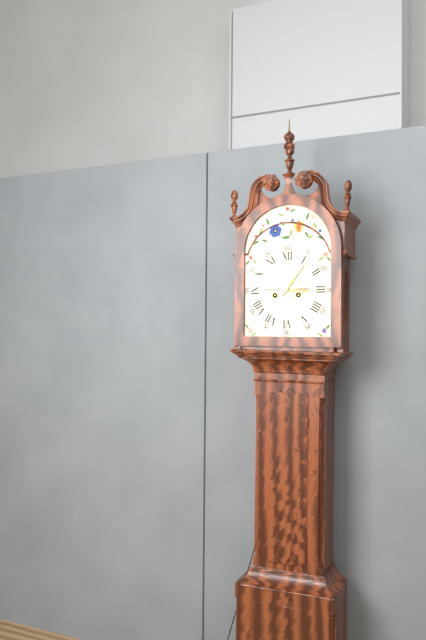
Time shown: **3:06**
